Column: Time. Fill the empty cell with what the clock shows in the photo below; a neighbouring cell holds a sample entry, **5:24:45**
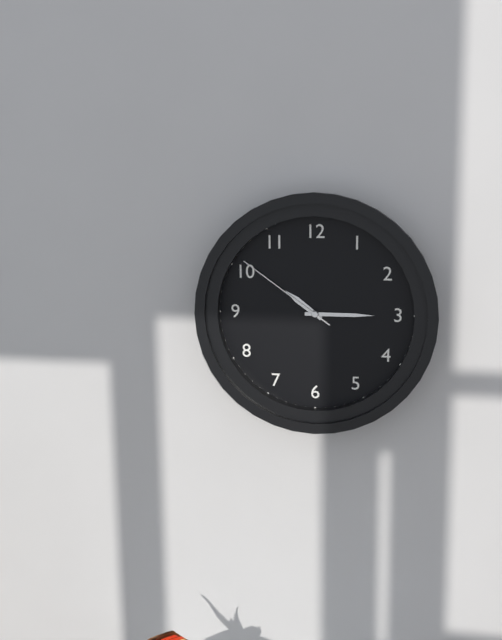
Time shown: **10:15:51**
